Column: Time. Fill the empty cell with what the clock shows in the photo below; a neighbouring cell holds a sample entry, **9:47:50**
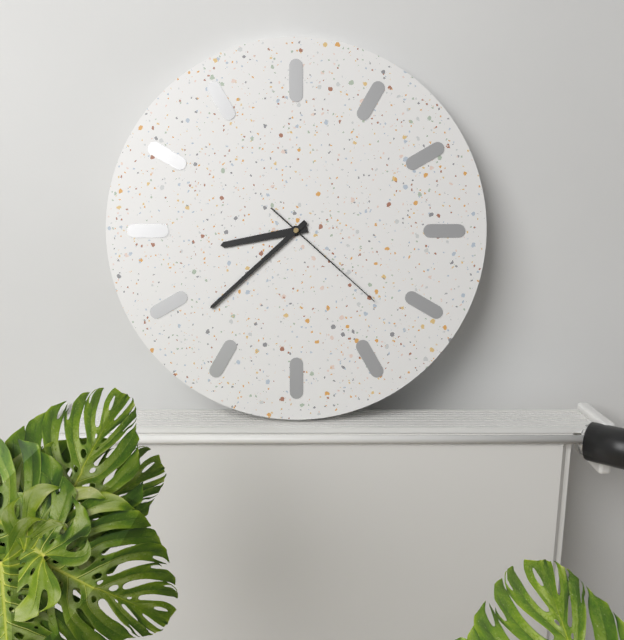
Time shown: **8:38:22**
